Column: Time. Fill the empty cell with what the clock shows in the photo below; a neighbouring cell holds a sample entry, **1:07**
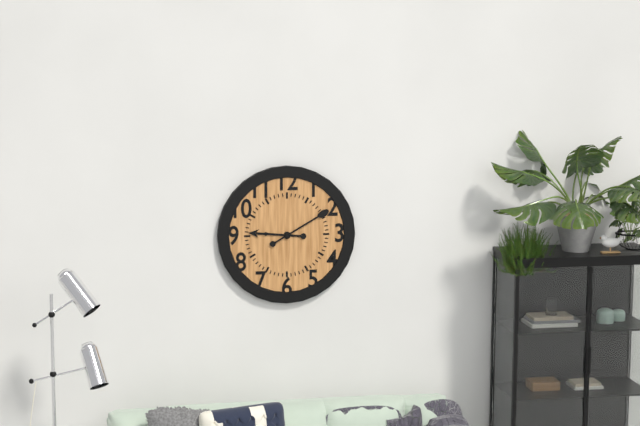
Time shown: **9:10**
